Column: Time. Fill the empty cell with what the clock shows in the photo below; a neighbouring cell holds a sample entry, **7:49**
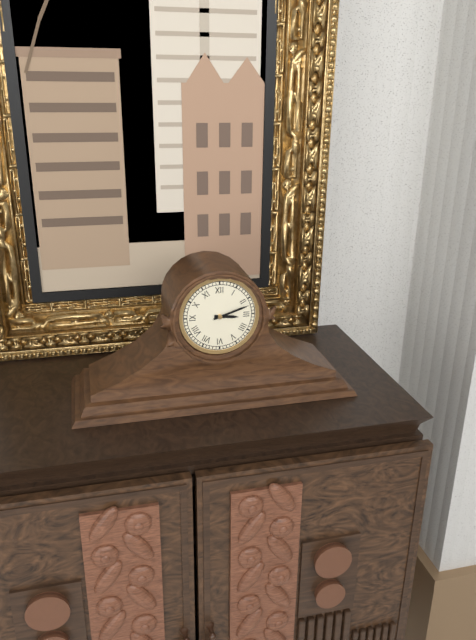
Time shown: **3:12**
